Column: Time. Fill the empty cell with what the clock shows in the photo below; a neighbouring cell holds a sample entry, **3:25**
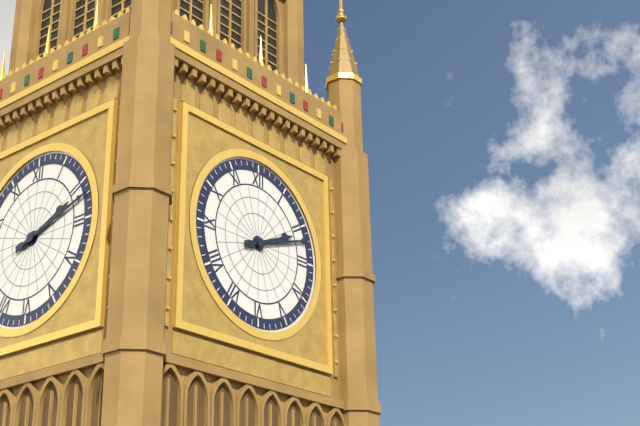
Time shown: **2:12**
